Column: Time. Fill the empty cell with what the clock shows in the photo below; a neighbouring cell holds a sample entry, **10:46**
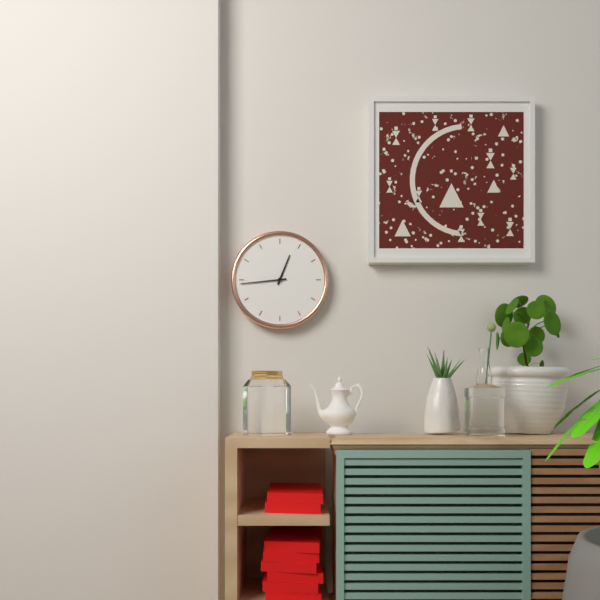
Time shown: **12:44**
